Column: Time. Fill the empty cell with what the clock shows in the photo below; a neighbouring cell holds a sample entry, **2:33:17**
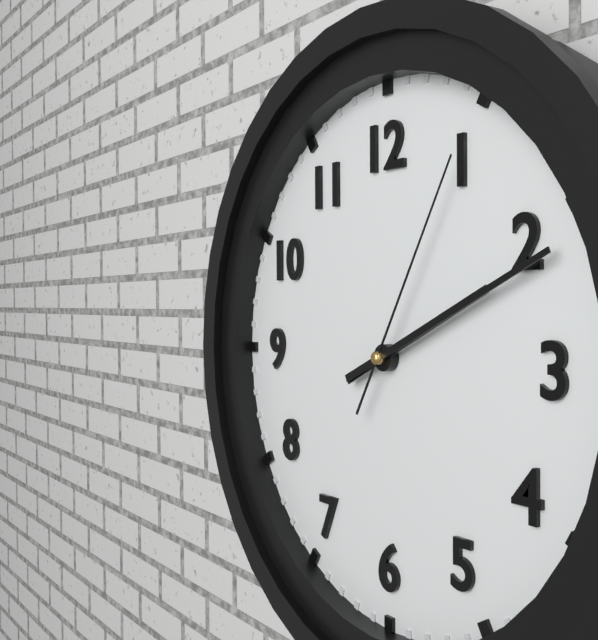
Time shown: **2:11:05**
